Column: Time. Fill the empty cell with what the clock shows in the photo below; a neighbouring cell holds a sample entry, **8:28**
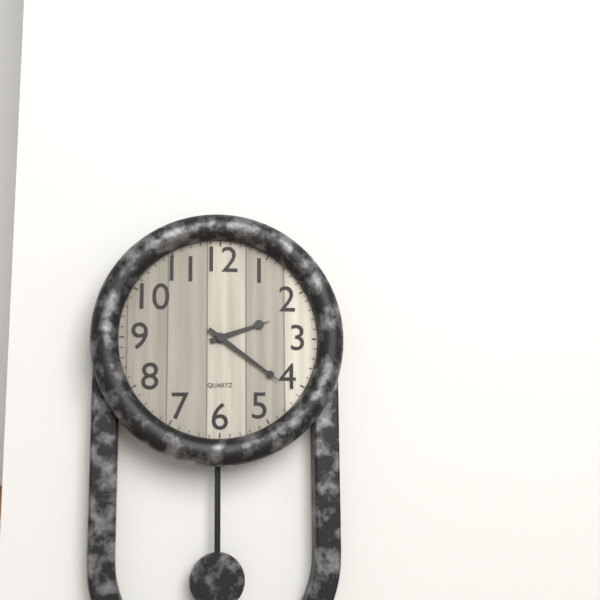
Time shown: **2:21**
